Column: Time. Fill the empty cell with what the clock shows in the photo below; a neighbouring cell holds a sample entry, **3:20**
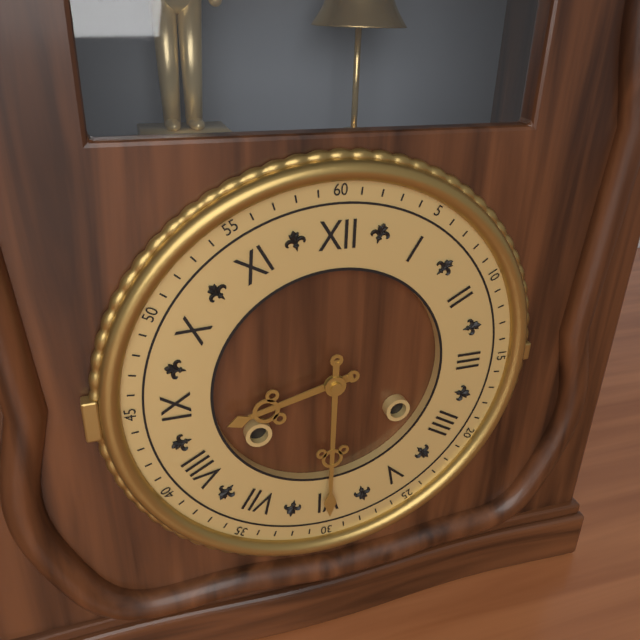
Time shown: **8:30**
